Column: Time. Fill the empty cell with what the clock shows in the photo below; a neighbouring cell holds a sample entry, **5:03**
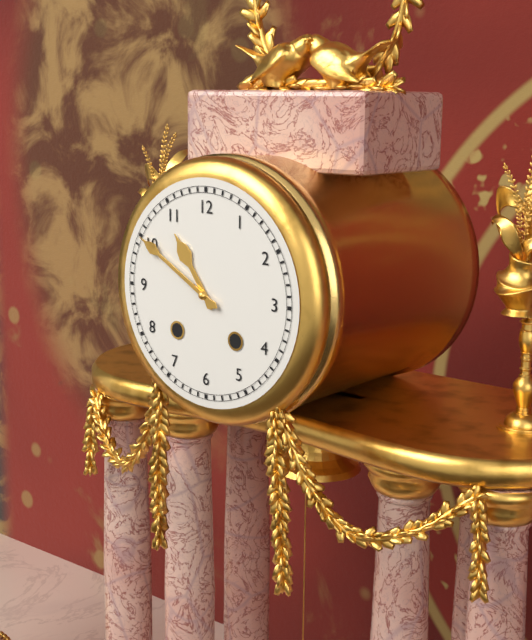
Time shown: **10:50**
